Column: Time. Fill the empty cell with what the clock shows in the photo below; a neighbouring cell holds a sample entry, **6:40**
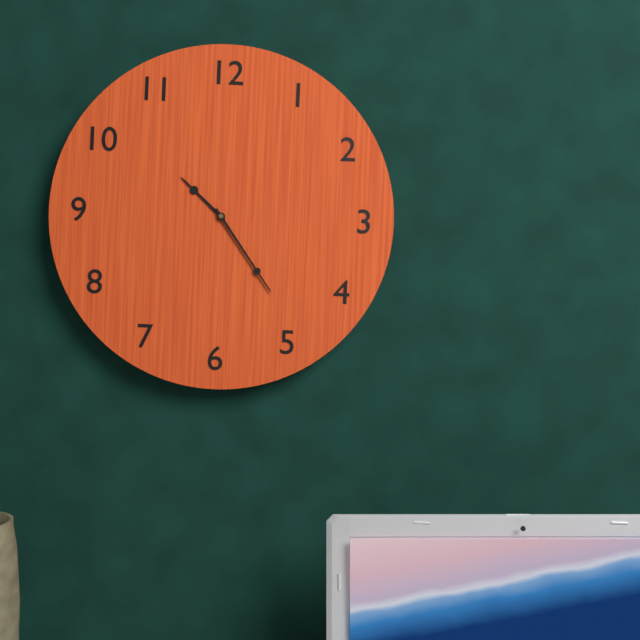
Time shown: **10:24**
